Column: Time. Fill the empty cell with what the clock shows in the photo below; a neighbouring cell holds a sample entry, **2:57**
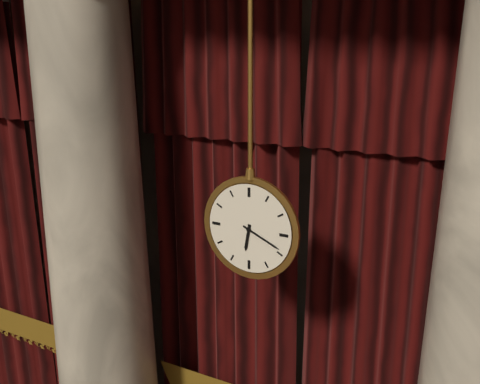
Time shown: **6:19**
